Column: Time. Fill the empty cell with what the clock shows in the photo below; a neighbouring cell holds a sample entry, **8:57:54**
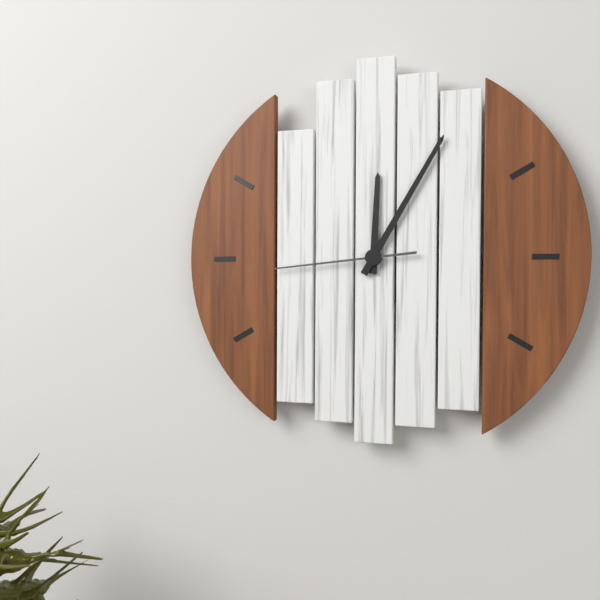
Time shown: **12:05:44**
